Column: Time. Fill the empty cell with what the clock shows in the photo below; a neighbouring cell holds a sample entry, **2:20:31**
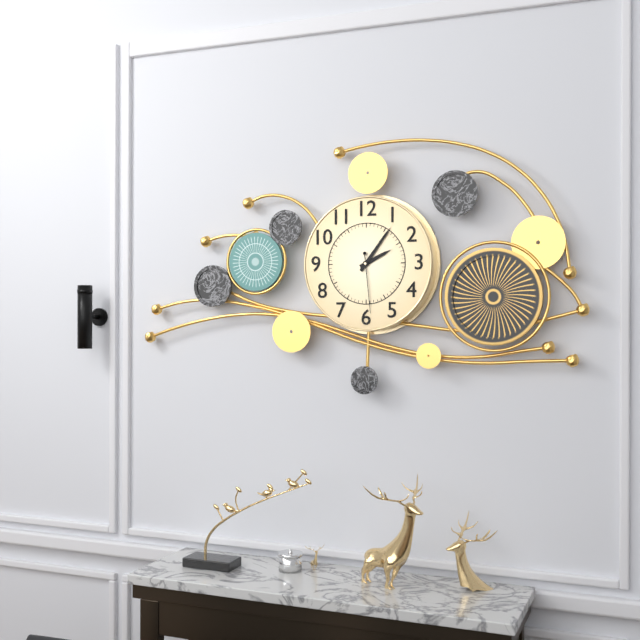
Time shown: **2:06:29**
